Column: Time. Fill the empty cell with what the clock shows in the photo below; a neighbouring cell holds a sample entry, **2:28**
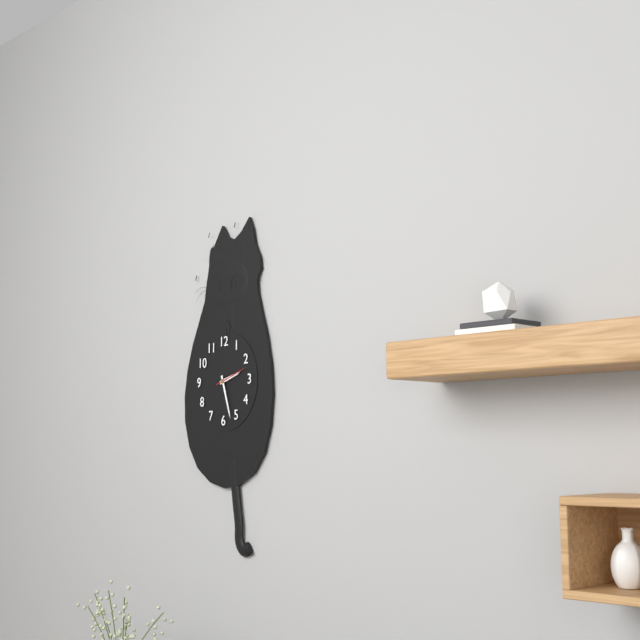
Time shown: **2:27**
